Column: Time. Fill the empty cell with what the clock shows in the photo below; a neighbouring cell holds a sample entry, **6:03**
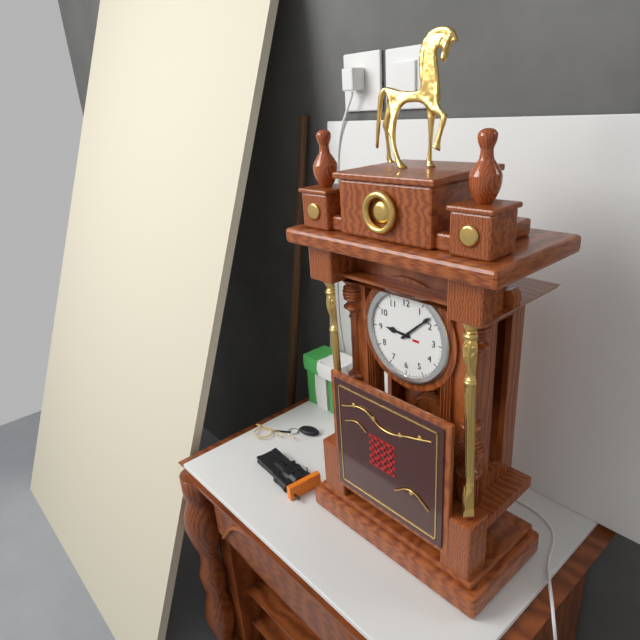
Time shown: **9:08**
